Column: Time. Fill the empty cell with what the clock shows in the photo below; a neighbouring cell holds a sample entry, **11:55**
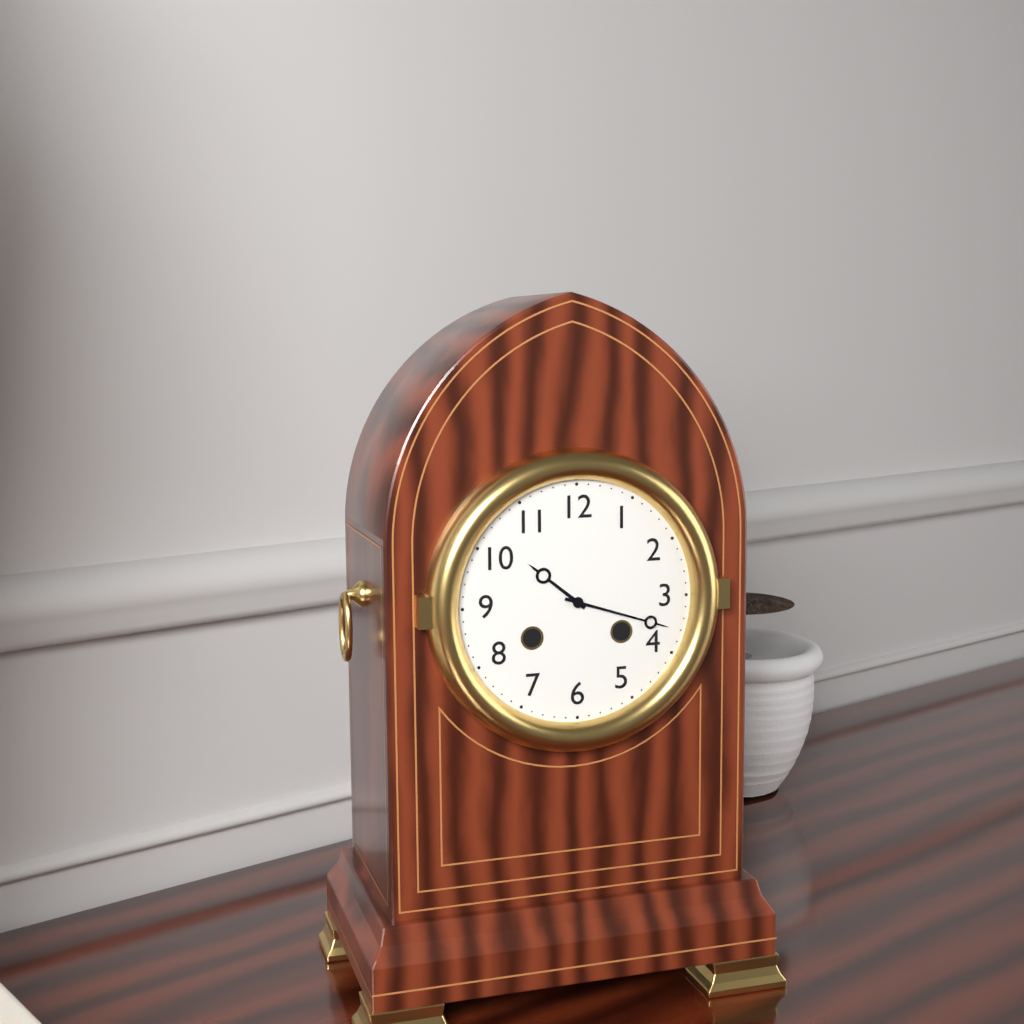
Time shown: **10:18**
